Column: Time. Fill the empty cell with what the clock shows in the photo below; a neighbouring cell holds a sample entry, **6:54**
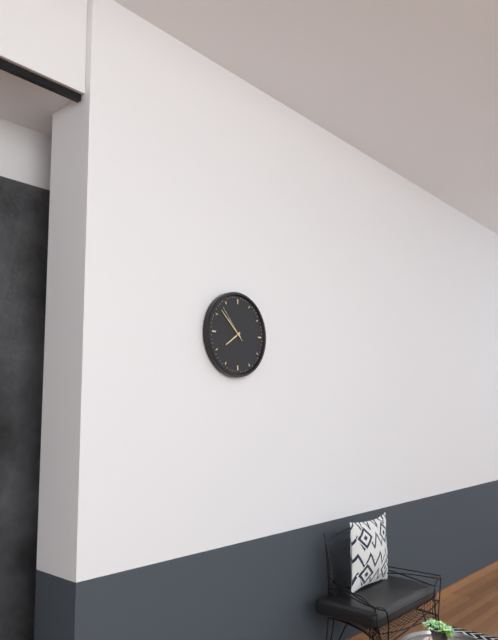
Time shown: **7:52**
